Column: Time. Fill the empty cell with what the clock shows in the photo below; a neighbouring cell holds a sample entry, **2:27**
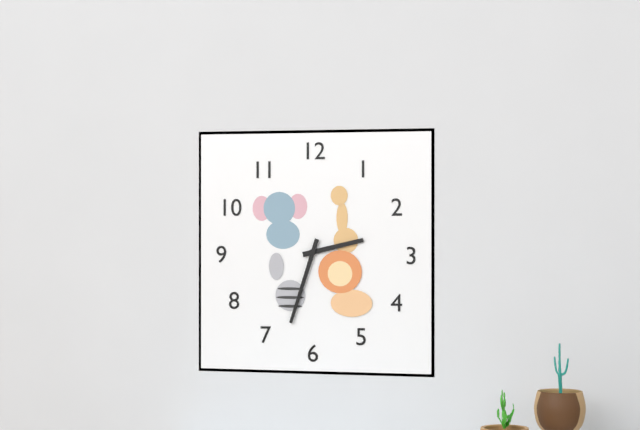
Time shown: **2:33**
